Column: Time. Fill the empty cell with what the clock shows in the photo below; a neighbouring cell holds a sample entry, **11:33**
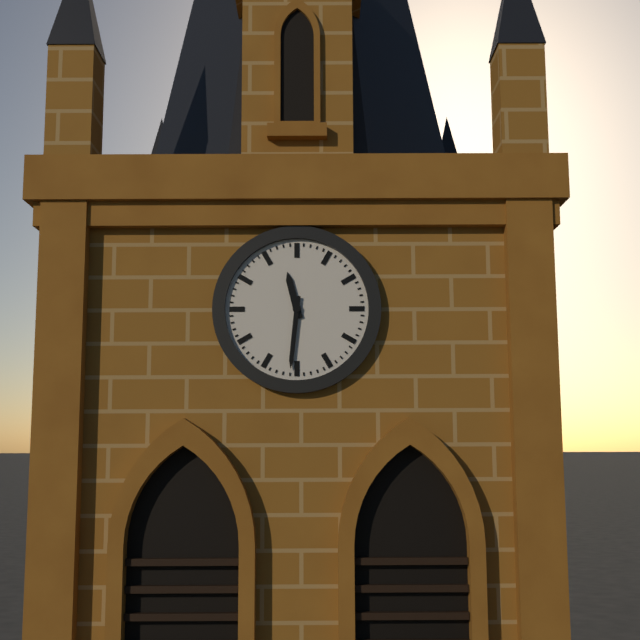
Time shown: **11:31**
